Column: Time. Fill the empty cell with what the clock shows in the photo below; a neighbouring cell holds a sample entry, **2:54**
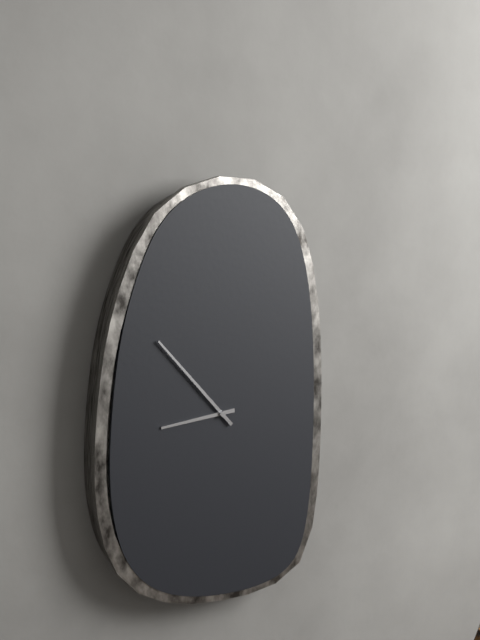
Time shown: **8:53**
